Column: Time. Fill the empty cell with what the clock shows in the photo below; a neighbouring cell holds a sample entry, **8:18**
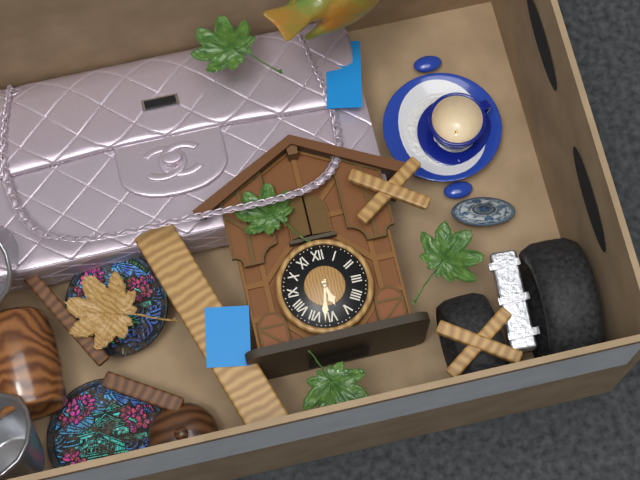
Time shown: **5:32**
